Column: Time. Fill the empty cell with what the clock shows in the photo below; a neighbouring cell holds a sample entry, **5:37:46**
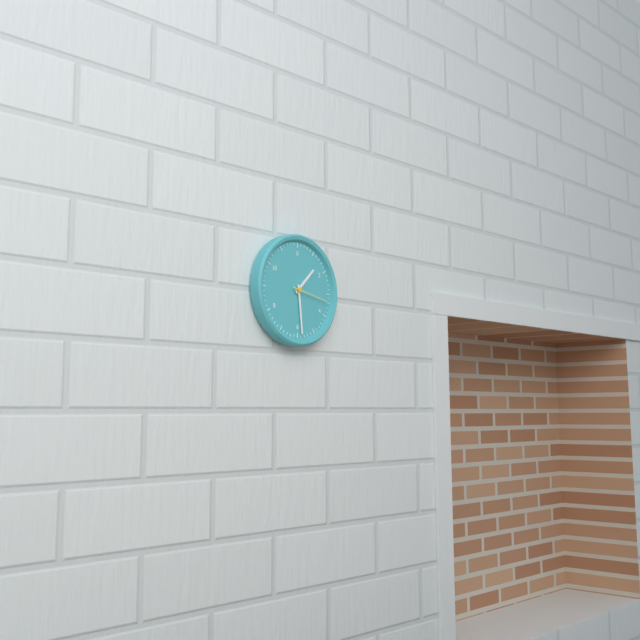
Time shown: **1:29:17**
